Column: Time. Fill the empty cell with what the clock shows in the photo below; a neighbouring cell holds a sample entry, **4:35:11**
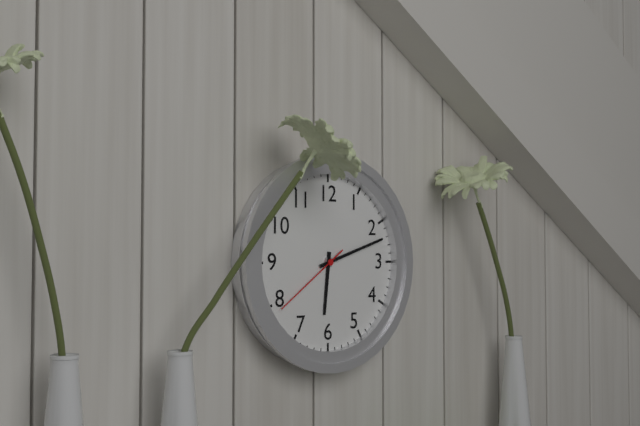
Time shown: **6:12:39**
